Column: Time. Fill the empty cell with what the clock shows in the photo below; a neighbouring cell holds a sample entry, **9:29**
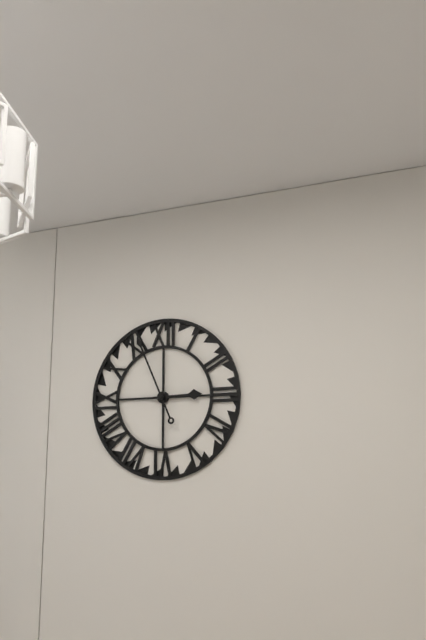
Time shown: **2:56**
